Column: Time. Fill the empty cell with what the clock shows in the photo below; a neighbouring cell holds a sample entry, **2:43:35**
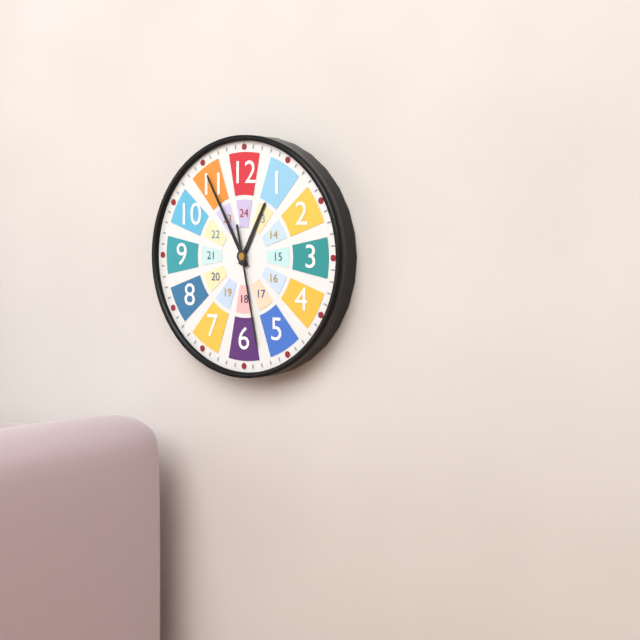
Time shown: **12:55:28**
